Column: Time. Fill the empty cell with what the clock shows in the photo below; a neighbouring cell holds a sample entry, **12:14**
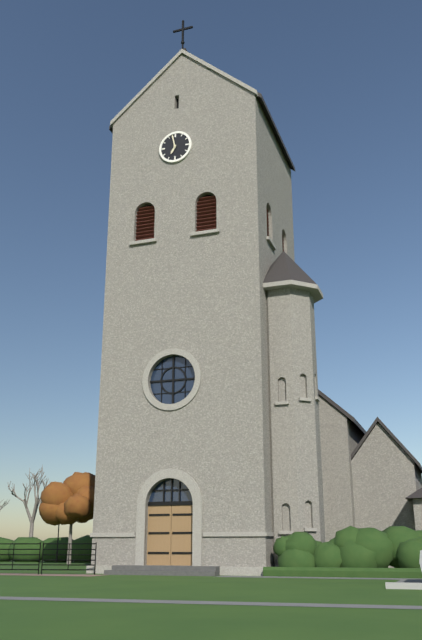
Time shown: **6:58**
